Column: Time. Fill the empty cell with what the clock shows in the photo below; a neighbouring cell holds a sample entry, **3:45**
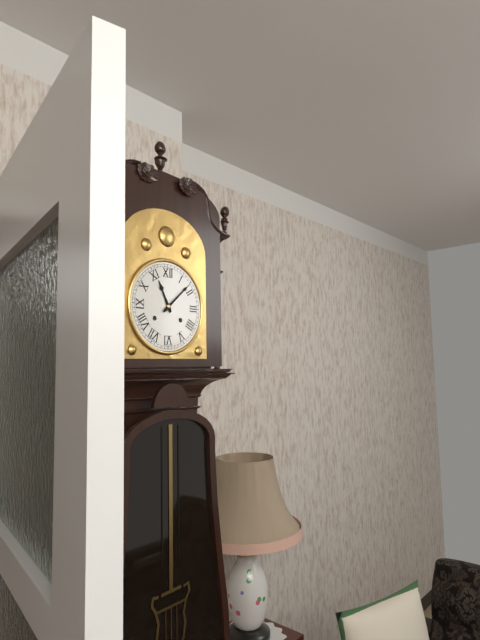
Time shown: **11:08**
